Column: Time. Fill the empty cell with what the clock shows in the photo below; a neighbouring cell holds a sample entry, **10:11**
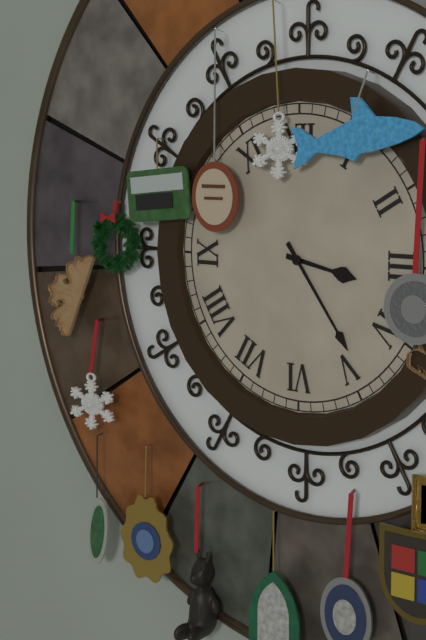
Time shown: **3:24**
